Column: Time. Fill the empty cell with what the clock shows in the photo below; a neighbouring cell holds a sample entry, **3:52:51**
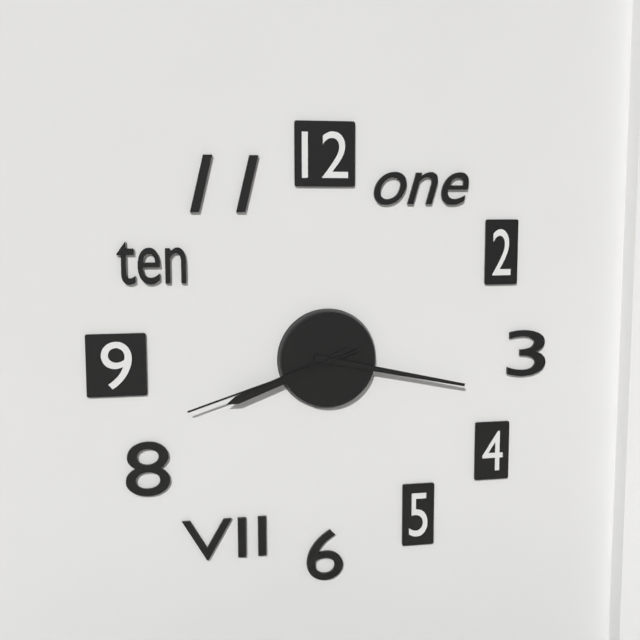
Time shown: **8:17:42**
